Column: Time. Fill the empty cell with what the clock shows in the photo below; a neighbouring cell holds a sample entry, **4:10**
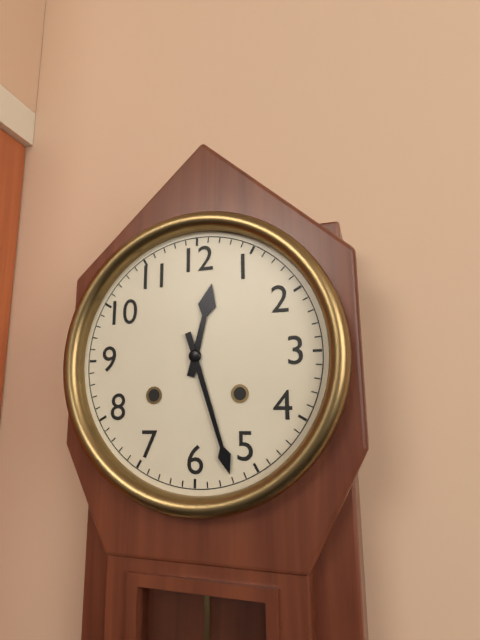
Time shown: **12:27**
